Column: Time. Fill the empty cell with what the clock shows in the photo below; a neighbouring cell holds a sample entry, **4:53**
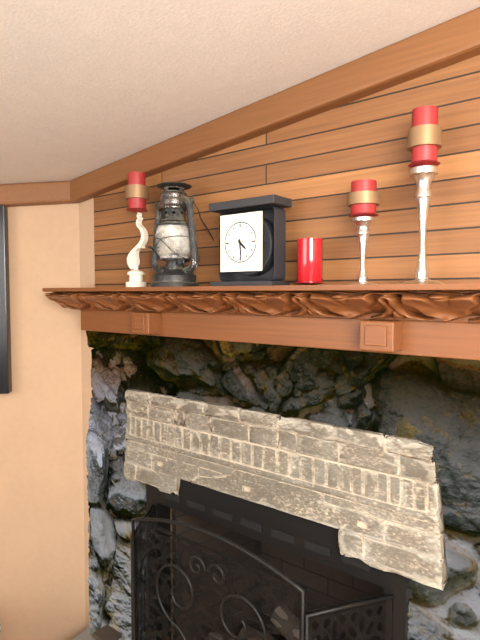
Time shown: **4:29**
